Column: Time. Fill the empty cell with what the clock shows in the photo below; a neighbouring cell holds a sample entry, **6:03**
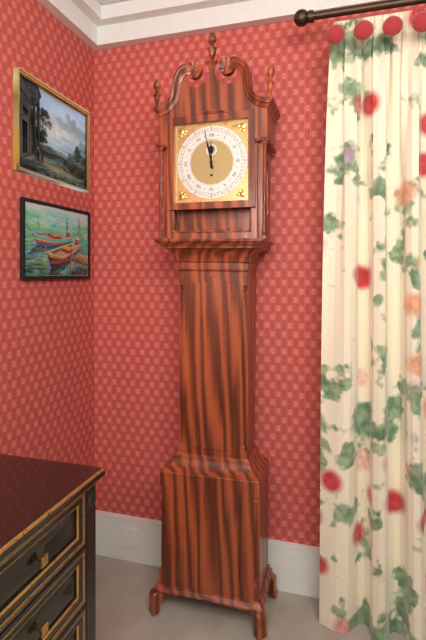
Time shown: **11:58**
